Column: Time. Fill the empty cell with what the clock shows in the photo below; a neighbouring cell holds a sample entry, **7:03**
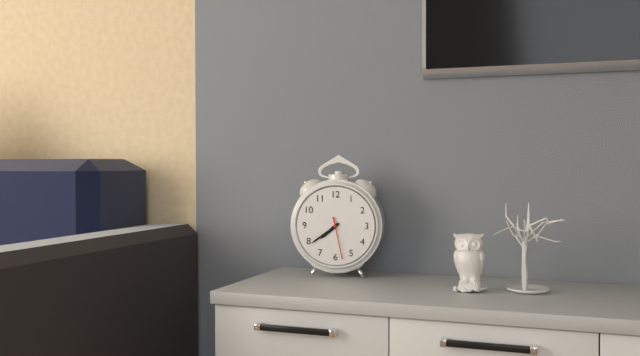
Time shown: **7:39**
